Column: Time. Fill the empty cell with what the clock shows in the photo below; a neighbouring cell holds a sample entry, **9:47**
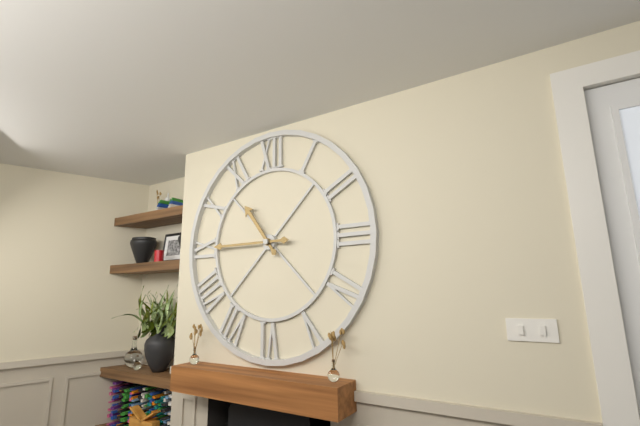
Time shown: **10:45**
